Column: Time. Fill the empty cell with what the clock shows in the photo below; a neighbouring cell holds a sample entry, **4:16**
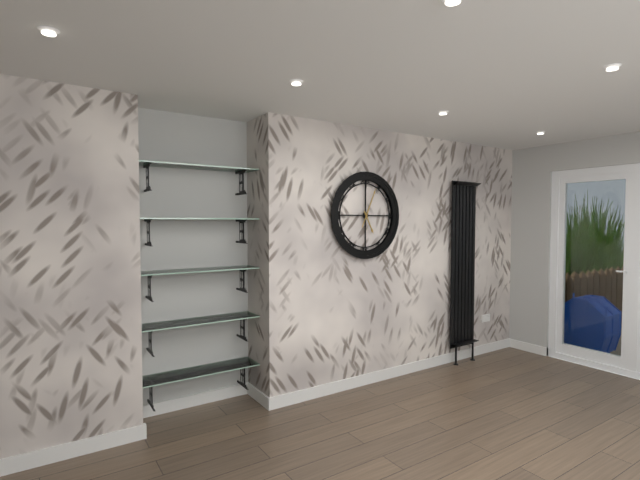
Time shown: **5:04**
